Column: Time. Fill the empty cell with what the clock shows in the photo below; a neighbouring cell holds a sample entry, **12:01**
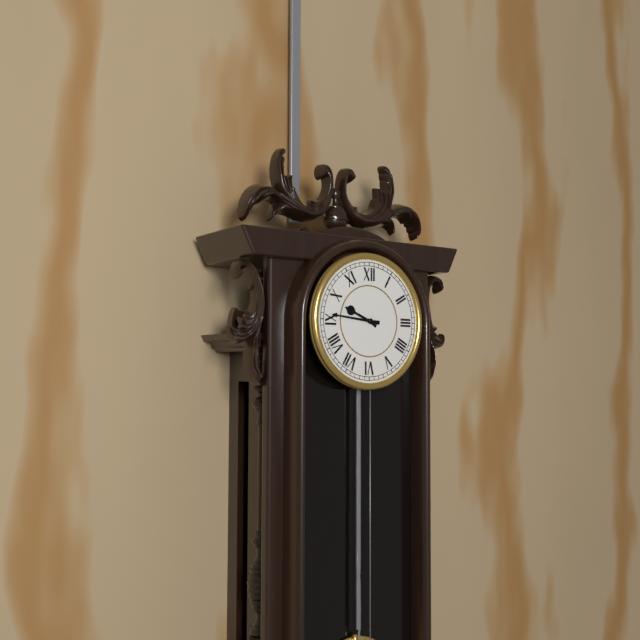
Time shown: **9:46**
